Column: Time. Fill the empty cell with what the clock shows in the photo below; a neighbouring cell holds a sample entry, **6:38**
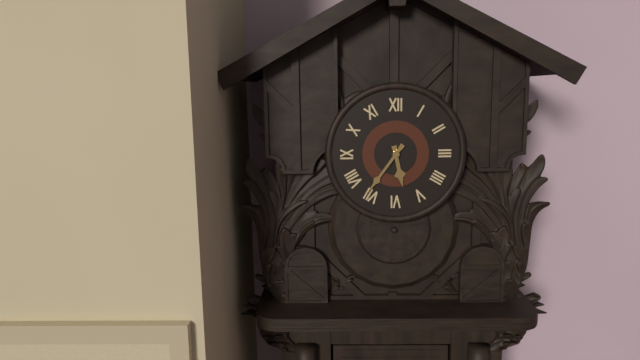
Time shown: **5:36**
